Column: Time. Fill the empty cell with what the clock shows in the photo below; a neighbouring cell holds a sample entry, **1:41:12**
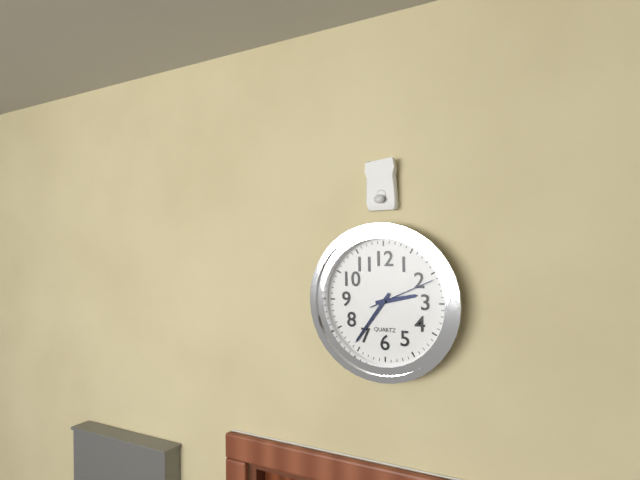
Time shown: **2:36:11**
